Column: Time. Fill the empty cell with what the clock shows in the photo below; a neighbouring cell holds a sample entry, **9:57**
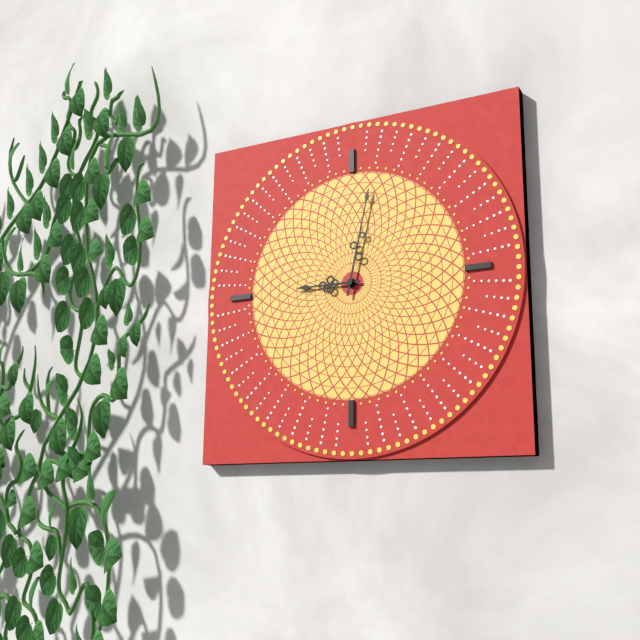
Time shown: **9:02**
